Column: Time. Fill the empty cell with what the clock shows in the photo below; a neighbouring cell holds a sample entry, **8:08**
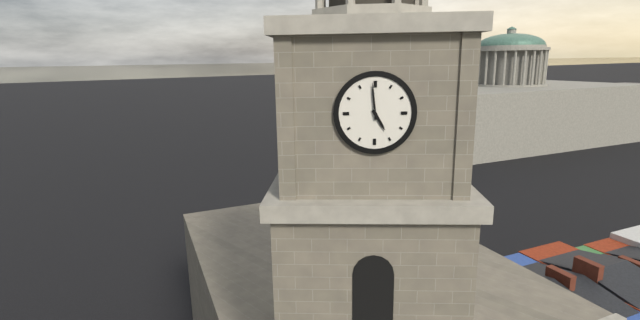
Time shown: **4:59**
